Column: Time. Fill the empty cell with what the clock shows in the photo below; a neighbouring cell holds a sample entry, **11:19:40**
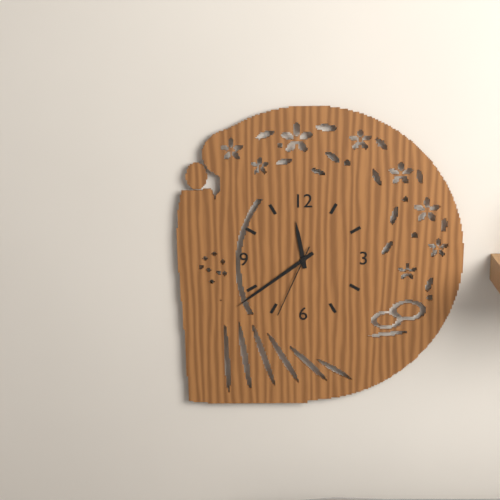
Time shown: **11:39:34**
